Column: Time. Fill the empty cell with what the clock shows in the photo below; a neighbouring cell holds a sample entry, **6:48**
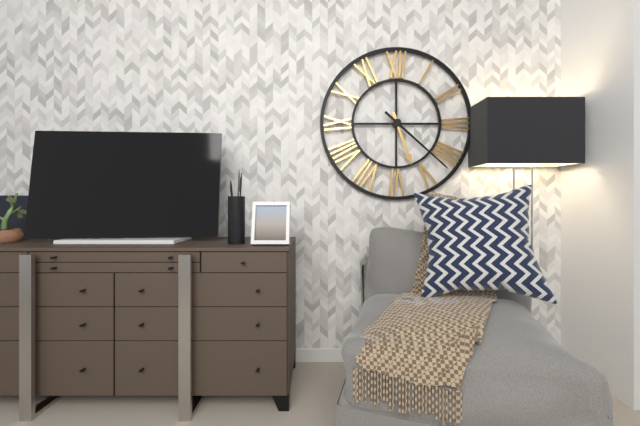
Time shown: **5:22**
